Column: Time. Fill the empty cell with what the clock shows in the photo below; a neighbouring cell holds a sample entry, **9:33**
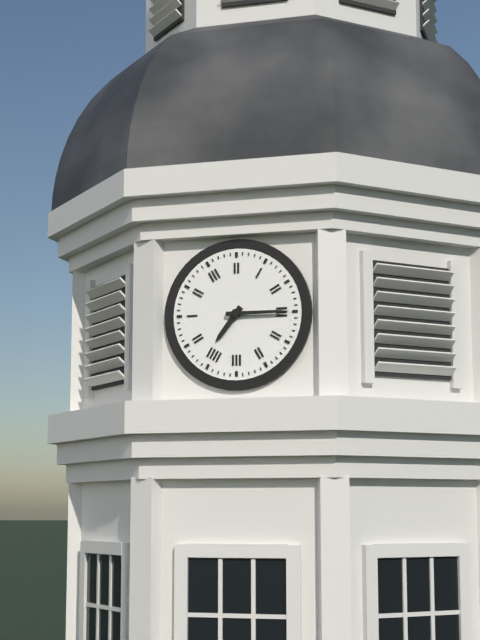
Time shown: **7:15**
